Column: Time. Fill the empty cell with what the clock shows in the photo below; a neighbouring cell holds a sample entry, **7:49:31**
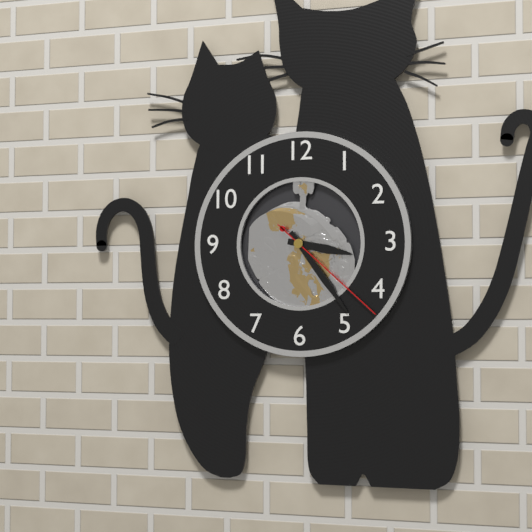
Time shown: **3:24:22**
